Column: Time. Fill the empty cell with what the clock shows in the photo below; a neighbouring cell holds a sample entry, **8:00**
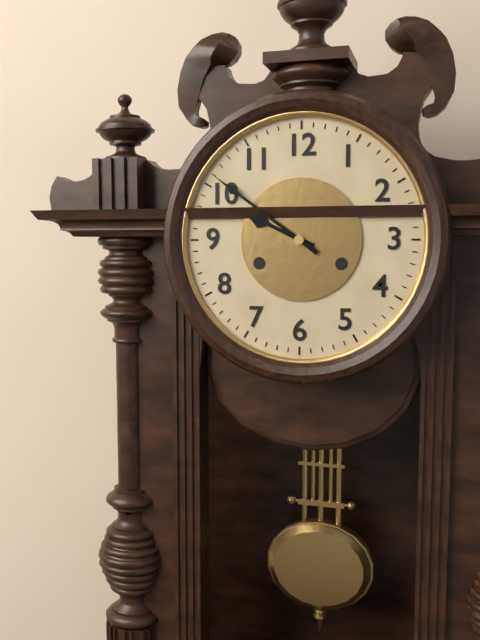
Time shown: **9:51**
